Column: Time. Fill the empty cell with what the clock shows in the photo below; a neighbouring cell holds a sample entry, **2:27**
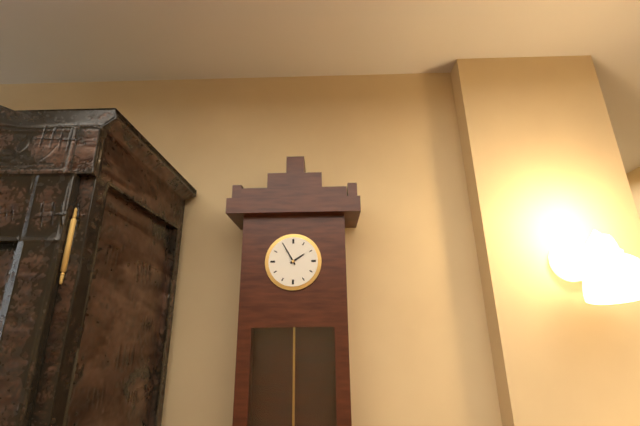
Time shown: **1:55**
